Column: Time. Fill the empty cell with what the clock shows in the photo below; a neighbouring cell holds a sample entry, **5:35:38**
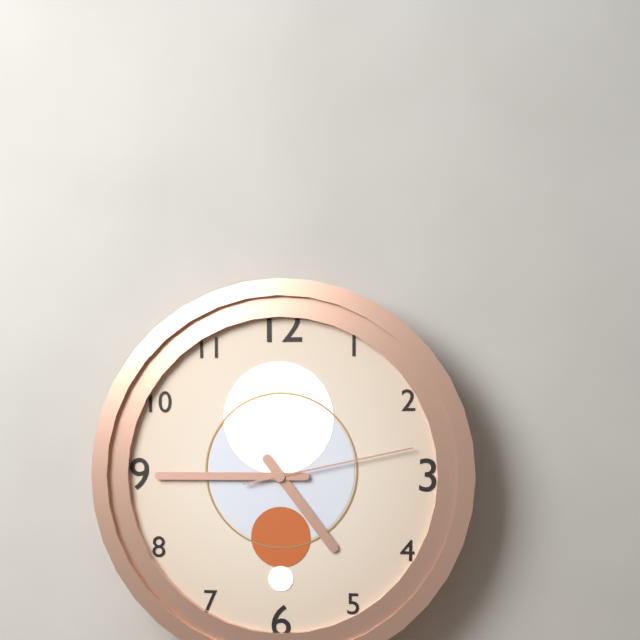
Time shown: **4:45:13**
